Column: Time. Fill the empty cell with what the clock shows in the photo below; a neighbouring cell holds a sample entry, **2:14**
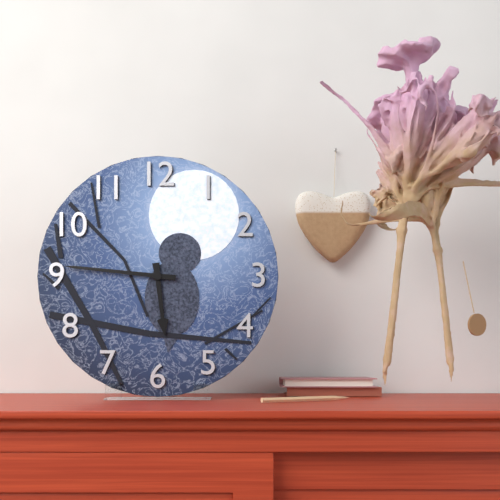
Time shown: **5:46**
